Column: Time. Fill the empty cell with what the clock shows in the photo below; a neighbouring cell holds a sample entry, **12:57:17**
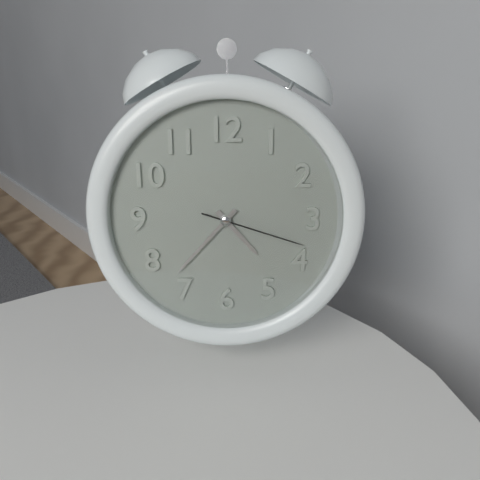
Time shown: **4:37:18**
